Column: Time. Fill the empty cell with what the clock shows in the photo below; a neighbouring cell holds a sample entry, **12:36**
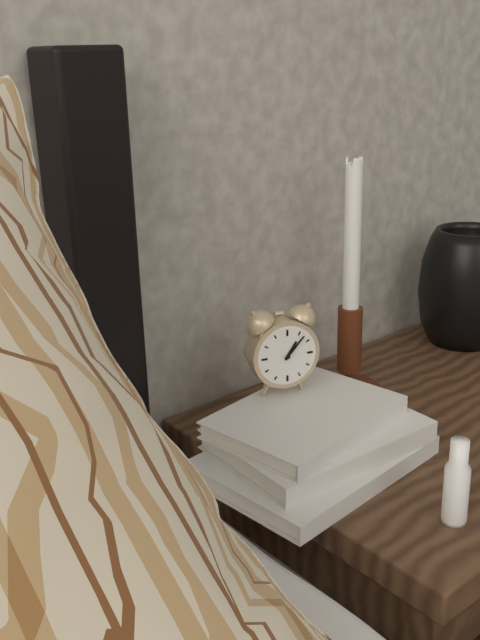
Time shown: **1:07**
